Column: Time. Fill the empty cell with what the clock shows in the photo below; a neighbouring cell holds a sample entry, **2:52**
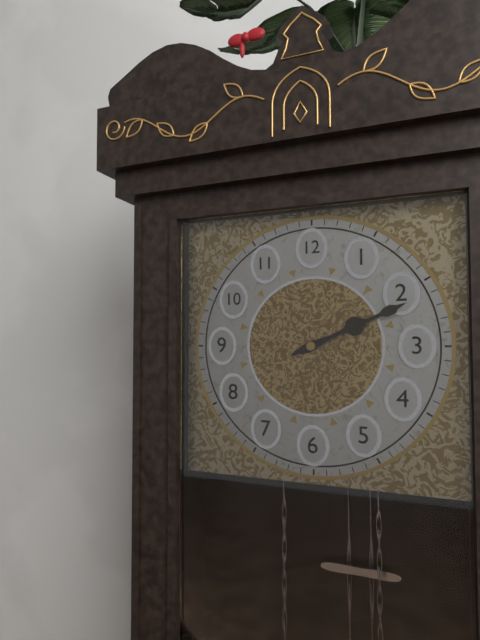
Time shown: **2:11**
